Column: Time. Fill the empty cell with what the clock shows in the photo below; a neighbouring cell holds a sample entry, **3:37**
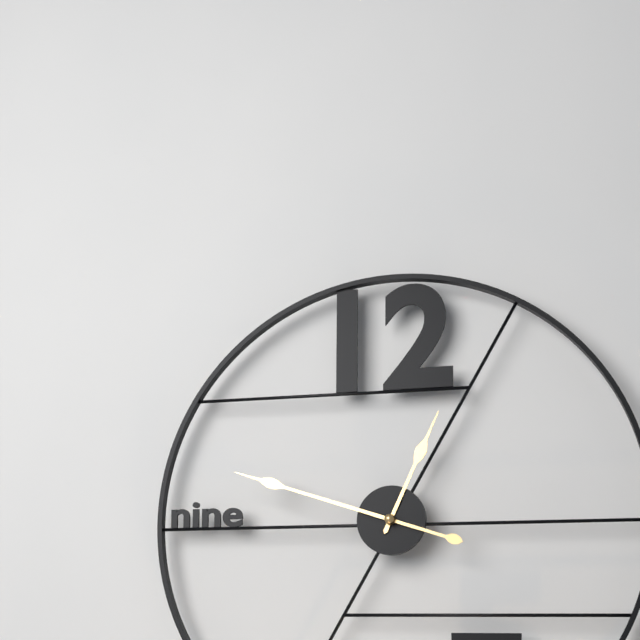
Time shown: **12:48**
